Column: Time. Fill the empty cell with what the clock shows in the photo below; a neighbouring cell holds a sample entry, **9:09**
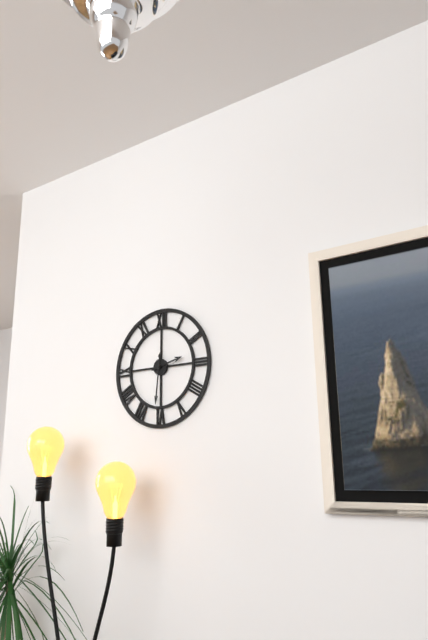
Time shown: **2:31**
